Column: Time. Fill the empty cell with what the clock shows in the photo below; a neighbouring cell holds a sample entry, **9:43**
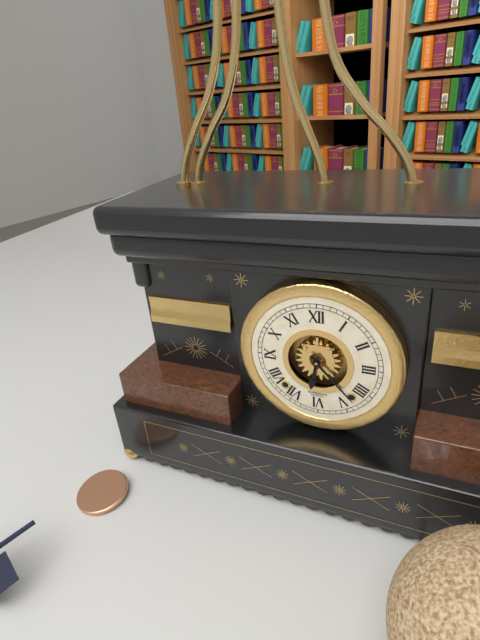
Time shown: **6:23**
